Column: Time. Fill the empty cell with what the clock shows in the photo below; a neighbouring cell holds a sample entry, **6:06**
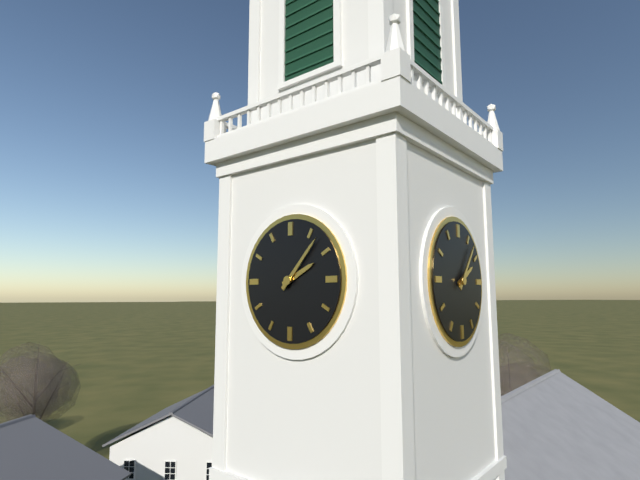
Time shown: **2:07**
